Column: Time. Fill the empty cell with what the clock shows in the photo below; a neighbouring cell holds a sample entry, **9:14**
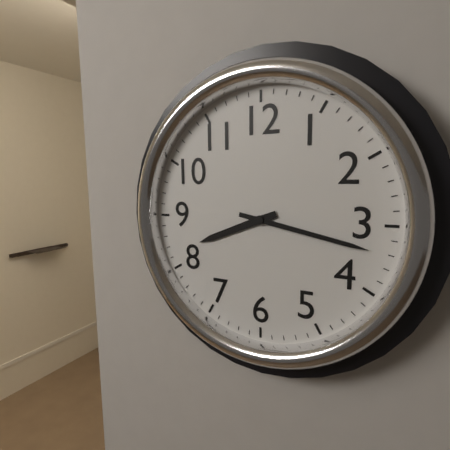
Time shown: **8:17**
